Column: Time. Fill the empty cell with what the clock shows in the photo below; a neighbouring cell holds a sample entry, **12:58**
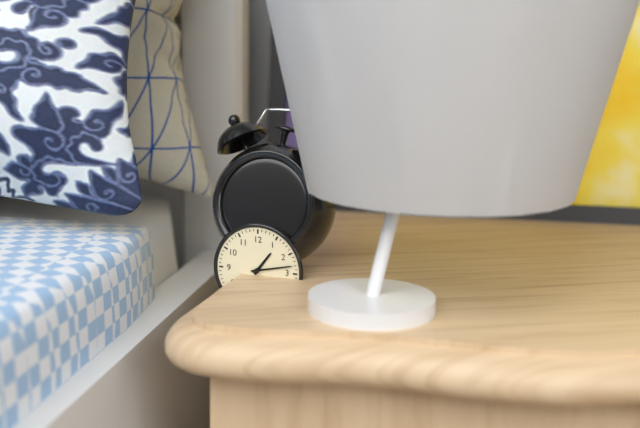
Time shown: **1:13**
